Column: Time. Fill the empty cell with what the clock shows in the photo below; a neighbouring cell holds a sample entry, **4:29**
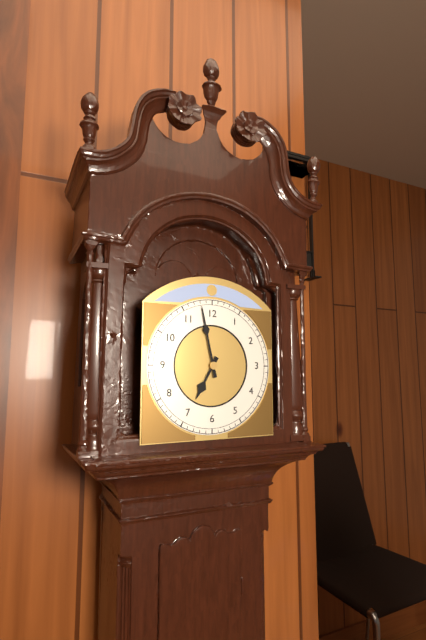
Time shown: **6:58**
